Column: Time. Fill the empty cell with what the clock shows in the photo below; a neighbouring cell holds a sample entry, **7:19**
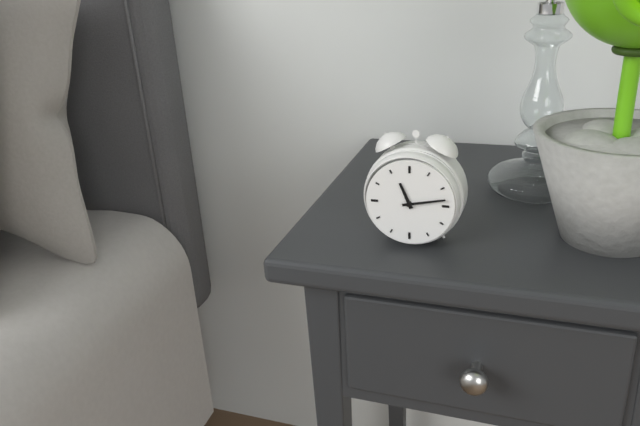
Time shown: **11:13**
